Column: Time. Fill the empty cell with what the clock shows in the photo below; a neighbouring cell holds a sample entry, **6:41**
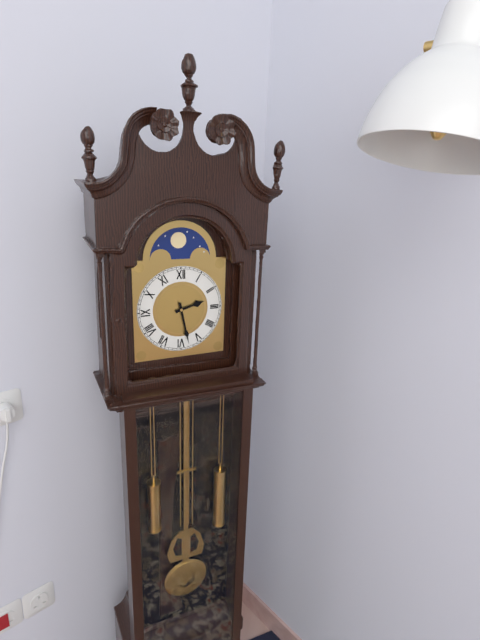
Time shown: **2:28**
